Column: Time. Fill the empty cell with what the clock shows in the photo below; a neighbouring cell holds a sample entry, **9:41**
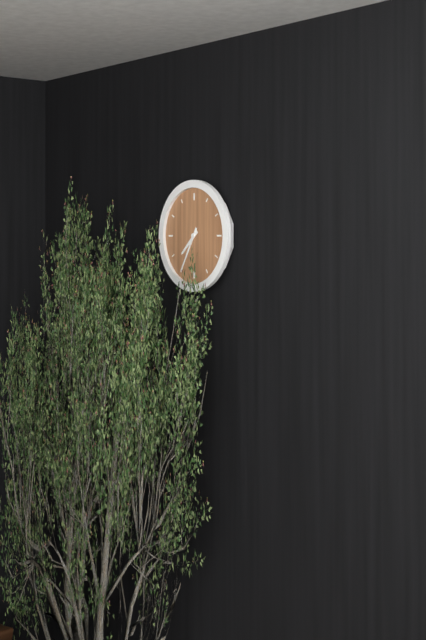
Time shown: **7:35**
